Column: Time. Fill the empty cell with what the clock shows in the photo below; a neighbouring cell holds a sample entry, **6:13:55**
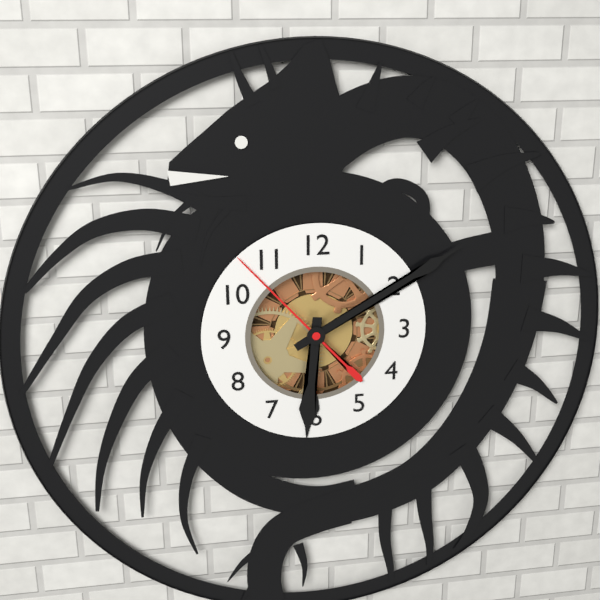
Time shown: **6:10:53**
